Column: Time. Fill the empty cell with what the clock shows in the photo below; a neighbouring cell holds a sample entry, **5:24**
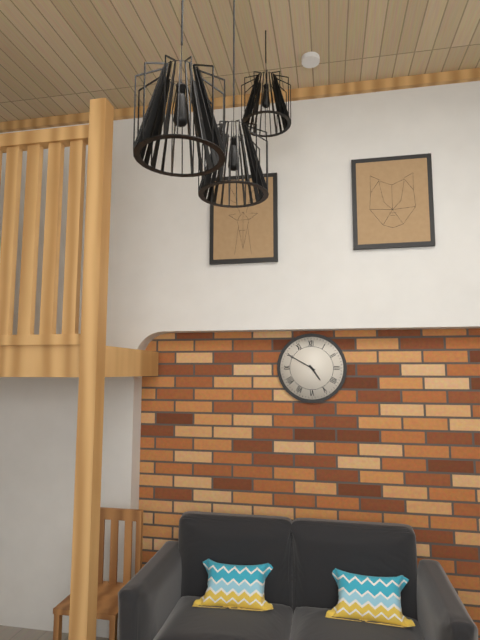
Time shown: **4:50**
